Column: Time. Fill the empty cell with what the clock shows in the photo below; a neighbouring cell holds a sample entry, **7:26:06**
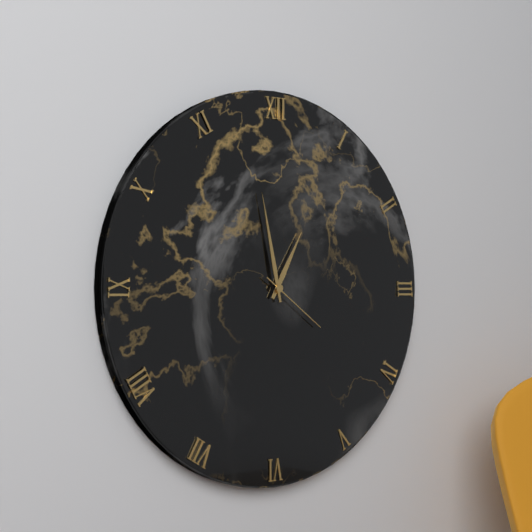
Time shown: **12:58:21**
